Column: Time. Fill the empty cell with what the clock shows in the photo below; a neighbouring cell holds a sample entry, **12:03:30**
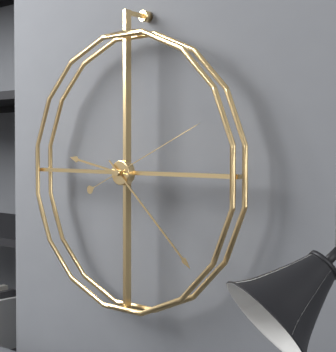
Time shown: **9:22:11**
